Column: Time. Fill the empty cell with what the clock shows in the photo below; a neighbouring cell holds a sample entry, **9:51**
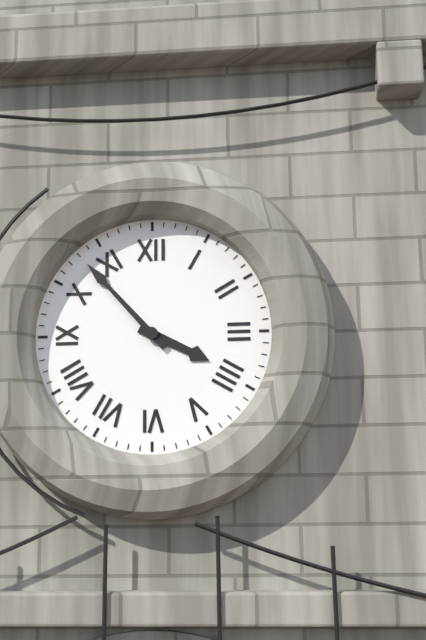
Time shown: **3:53**
